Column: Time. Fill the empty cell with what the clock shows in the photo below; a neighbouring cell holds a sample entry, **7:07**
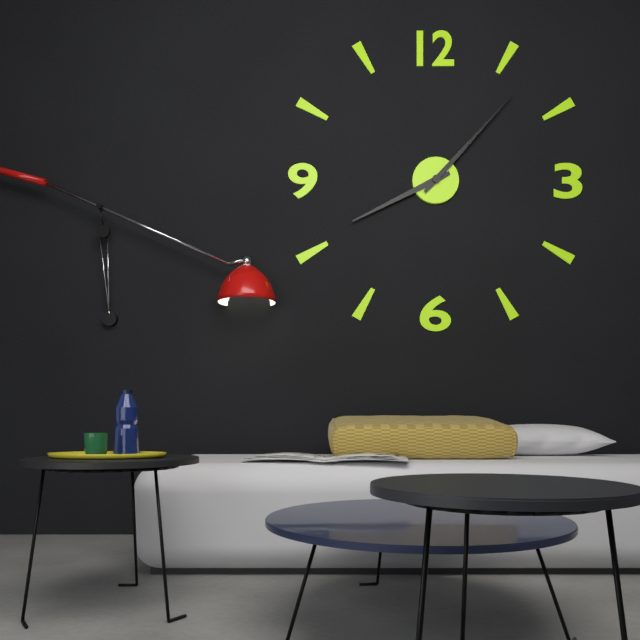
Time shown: **8:07**
